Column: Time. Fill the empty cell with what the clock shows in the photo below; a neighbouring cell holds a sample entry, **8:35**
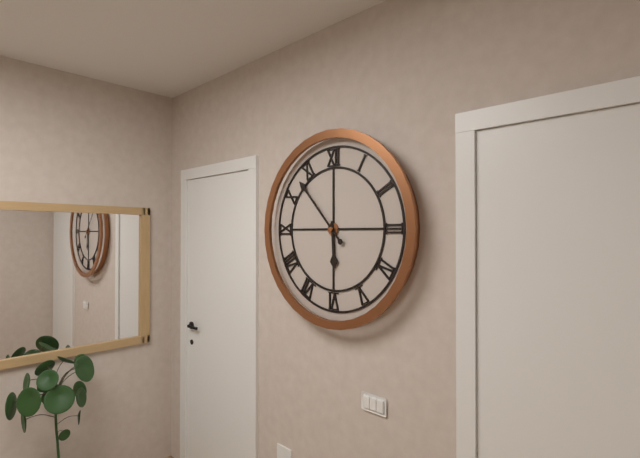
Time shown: **5:53**
